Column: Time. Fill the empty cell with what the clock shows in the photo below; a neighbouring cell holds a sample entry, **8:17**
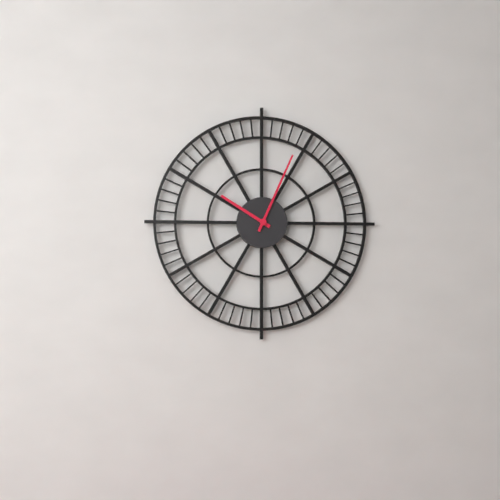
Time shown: **10:04**
